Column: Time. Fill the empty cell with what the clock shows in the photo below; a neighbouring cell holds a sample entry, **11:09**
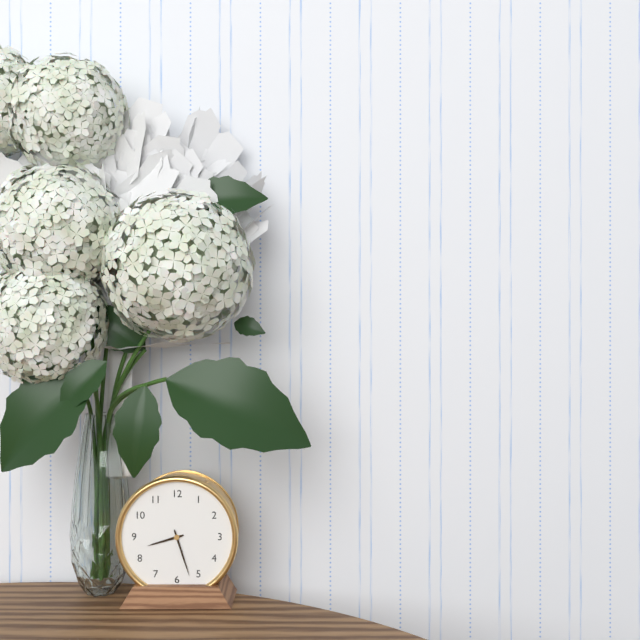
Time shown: **8:27**
